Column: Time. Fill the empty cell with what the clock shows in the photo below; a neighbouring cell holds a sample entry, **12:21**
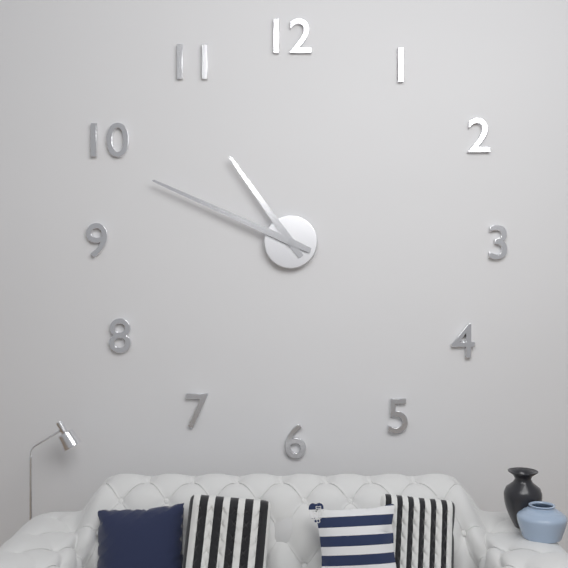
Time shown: **10:49**
